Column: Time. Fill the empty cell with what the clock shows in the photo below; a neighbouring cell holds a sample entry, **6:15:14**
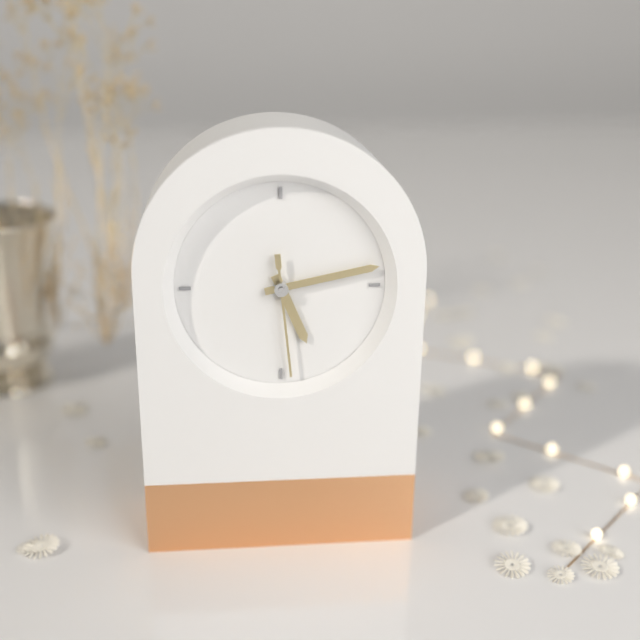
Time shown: **5:13:29**
